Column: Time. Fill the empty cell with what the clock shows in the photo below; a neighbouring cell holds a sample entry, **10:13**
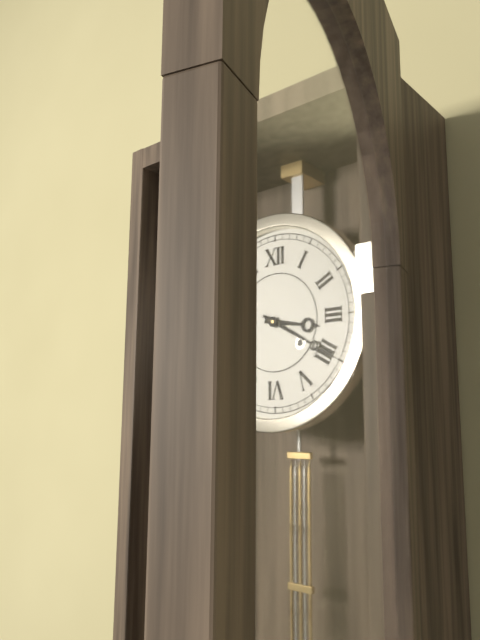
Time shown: **3:20**
